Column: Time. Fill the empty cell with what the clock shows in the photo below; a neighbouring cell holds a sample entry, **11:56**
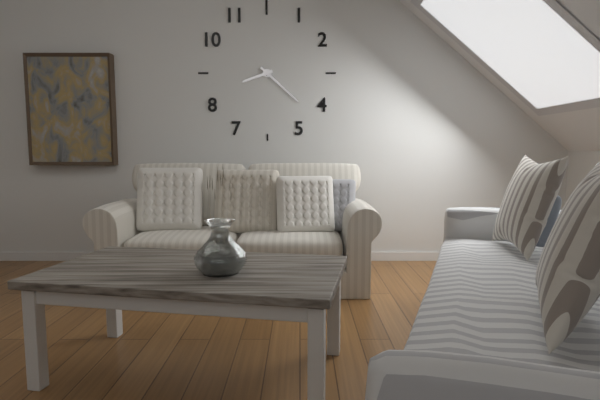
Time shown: **8:22**
